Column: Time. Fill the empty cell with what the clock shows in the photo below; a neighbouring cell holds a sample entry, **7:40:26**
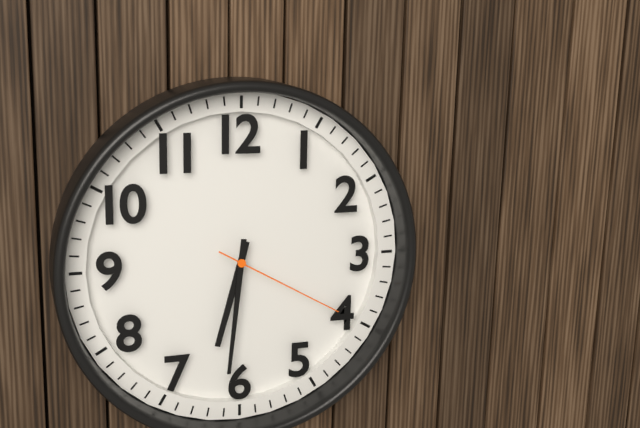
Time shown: **6:31:20**
